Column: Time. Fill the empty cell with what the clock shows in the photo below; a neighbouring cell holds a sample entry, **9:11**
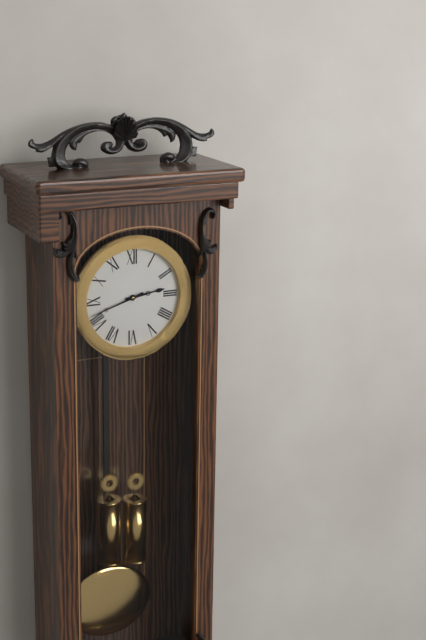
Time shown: **2:42**
